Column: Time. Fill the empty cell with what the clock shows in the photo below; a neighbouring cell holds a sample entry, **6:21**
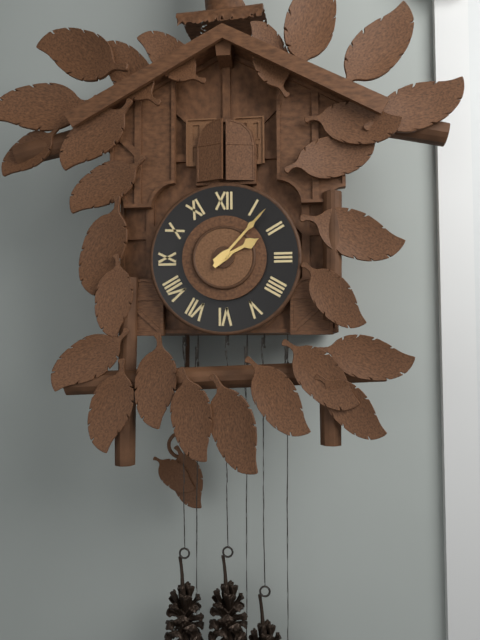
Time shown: **2:07**
